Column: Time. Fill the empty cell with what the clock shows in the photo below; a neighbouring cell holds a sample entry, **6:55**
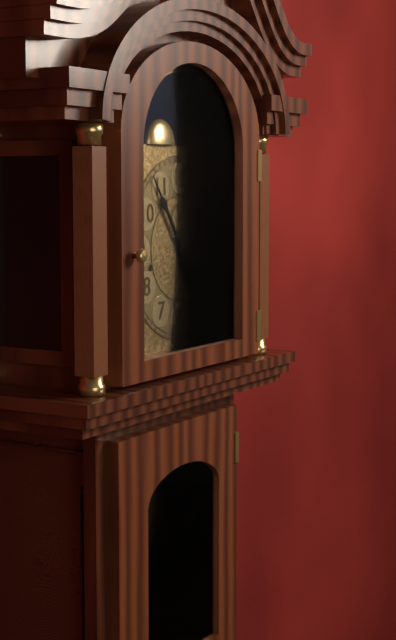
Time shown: **4:54**
